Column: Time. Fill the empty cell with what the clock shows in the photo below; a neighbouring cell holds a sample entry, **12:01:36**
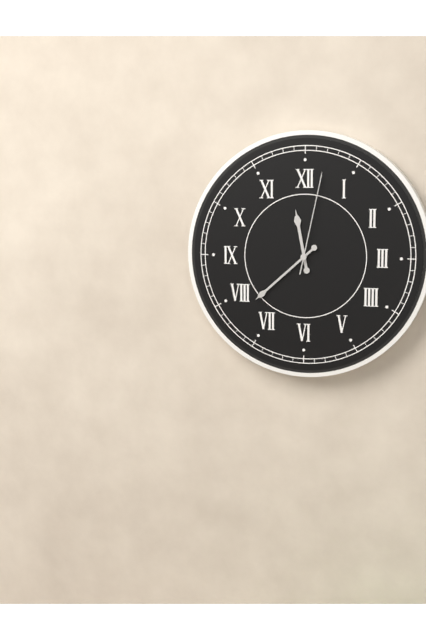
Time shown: **11:38:02**
